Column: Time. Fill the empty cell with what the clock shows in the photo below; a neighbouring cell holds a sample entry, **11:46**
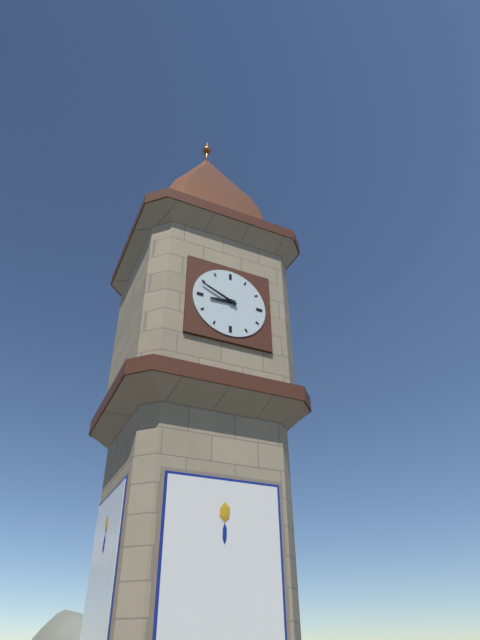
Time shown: **8:49**
